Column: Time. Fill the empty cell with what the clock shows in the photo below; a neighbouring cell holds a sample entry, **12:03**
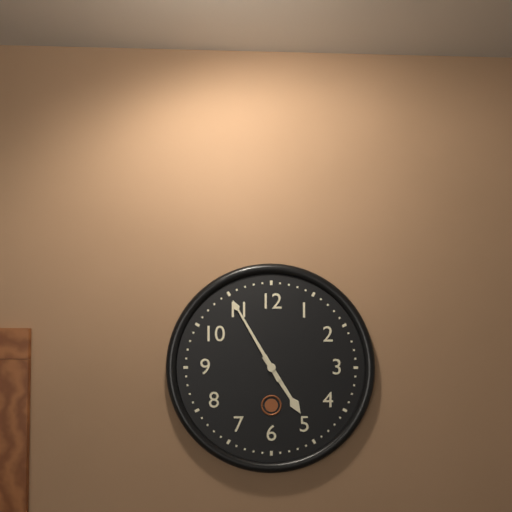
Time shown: **4:55**
